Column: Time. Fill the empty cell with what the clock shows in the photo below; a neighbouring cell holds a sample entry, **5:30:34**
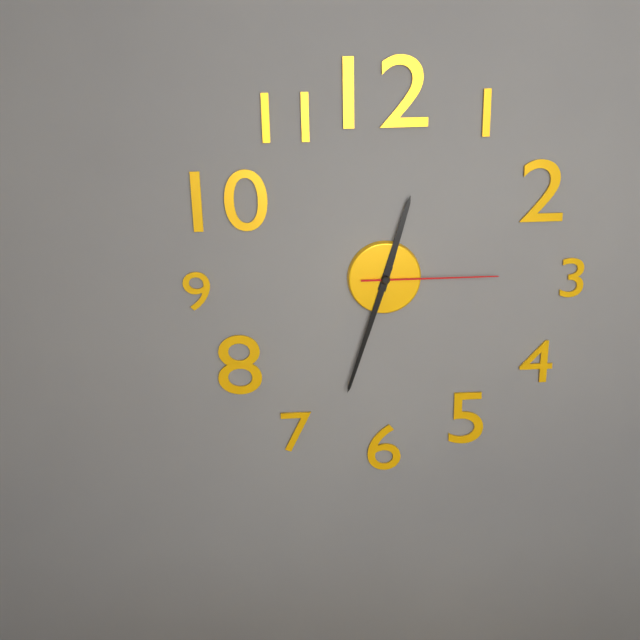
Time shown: **12:33:15**
